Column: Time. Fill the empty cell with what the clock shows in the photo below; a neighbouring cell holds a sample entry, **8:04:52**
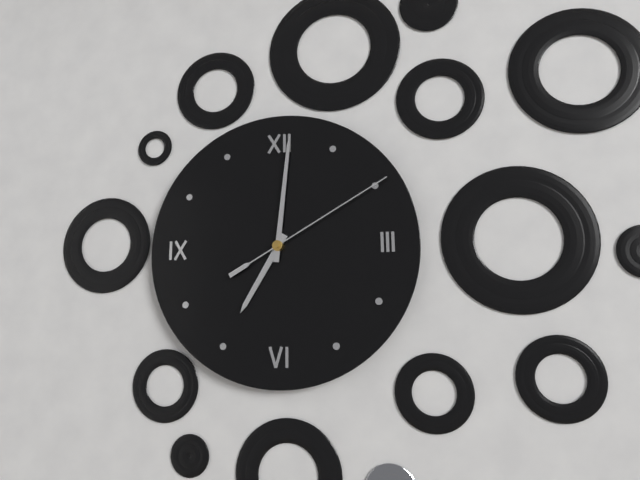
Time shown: **7:01:10**
